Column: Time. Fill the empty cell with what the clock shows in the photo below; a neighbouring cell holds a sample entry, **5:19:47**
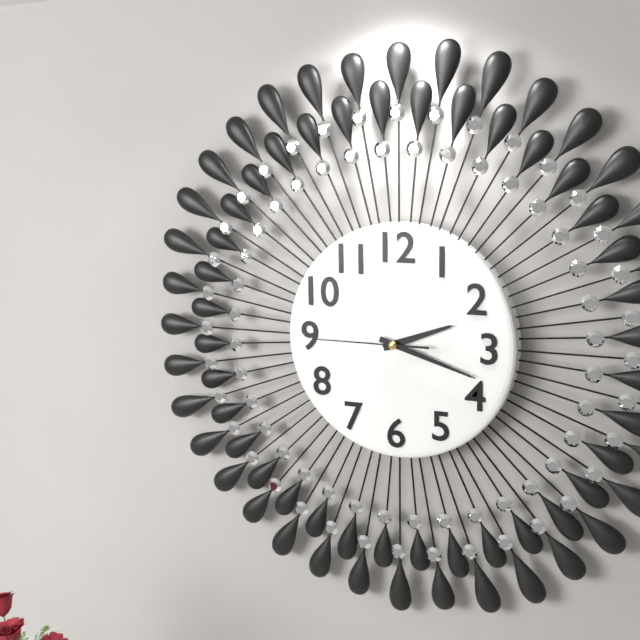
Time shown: **2:18:45**
